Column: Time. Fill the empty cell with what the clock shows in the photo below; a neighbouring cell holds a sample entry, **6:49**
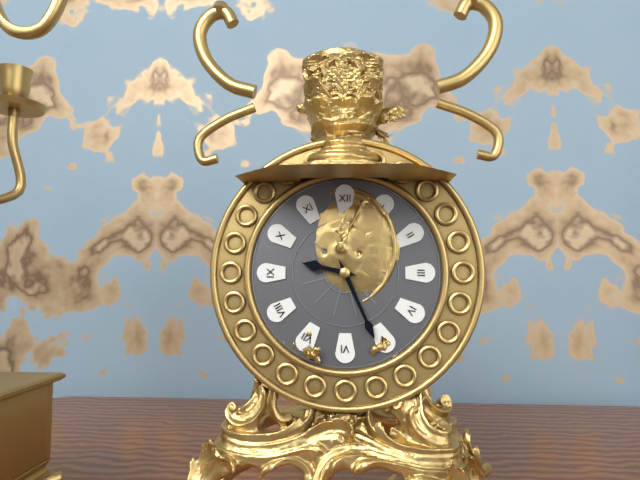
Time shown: **9:26**
